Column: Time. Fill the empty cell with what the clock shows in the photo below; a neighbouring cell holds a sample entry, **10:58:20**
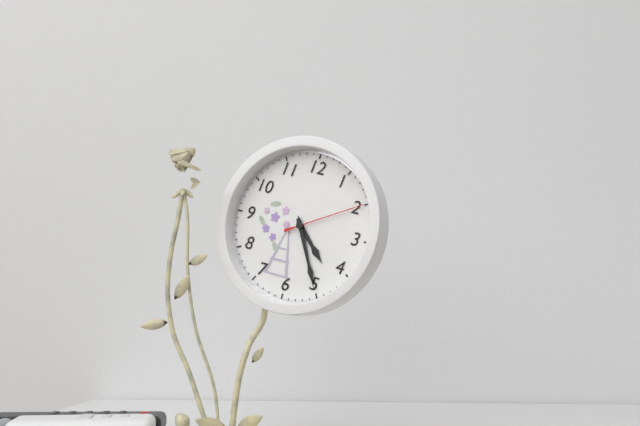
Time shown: **4:25:10**
